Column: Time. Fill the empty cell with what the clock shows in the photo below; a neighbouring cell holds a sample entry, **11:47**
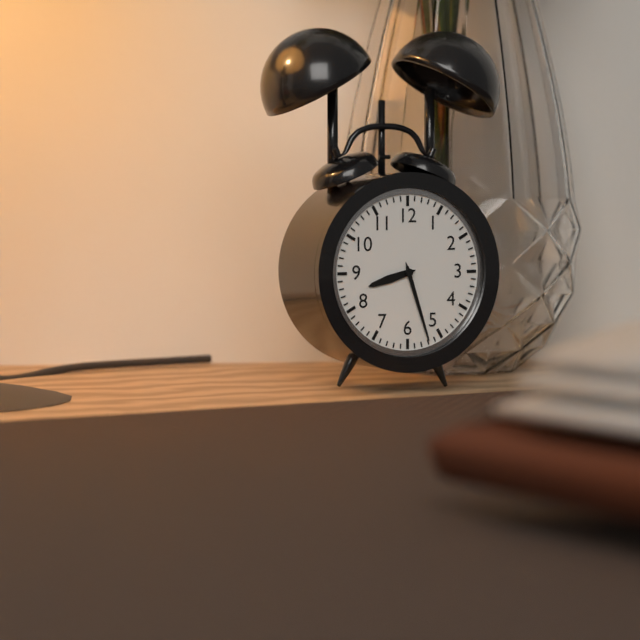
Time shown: **8:27**
